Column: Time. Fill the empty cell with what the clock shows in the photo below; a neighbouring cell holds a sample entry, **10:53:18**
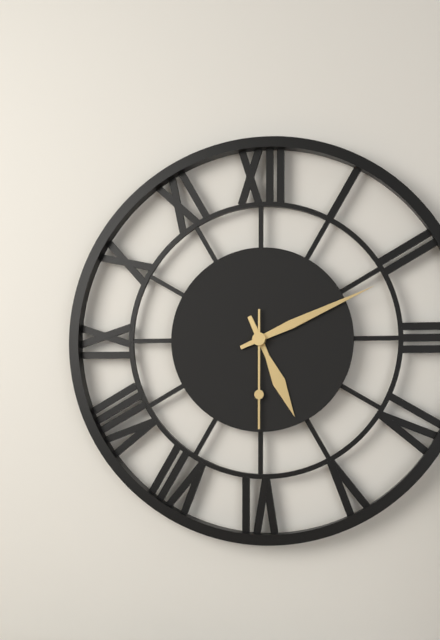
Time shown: **5:11:30**
